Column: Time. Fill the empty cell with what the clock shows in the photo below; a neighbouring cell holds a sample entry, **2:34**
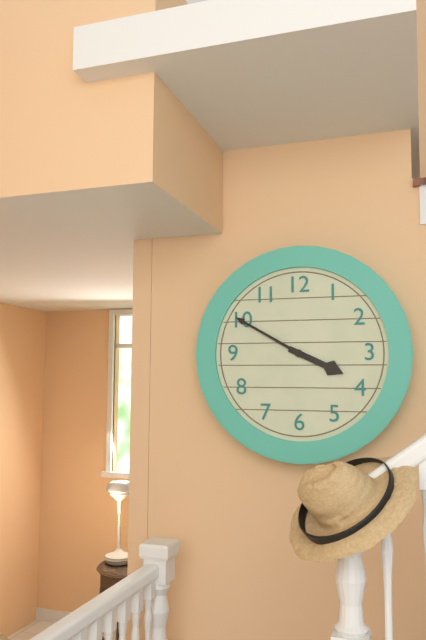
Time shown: **3:50**
